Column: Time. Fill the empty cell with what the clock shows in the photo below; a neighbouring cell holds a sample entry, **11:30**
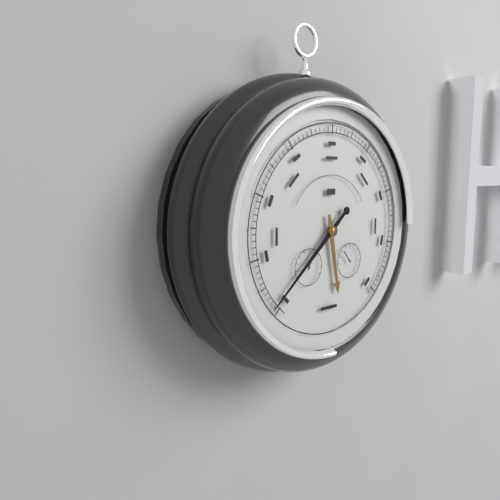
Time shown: **5:38**
